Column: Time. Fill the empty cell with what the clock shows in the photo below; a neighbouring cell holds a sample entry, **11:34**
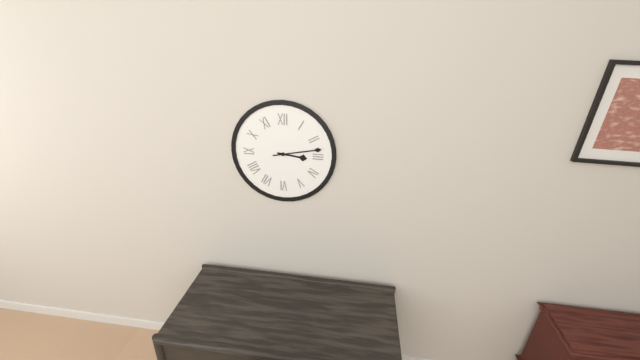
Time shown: **3:13**
